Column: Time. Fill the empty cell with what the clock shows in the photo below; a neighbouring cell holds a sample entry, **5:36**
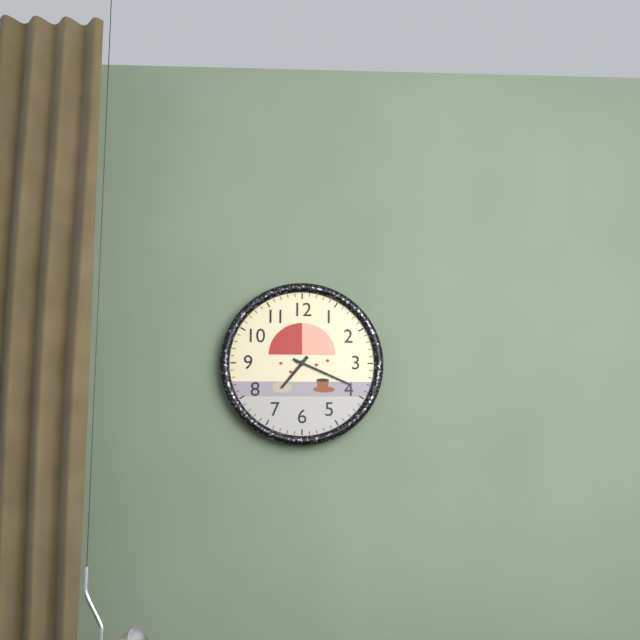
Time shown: **7:19**
